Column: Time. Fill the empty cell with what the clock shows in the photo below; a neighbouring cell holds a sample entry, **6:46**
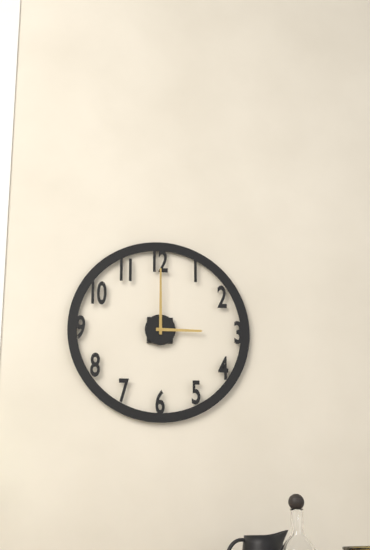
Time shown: **3:00**
